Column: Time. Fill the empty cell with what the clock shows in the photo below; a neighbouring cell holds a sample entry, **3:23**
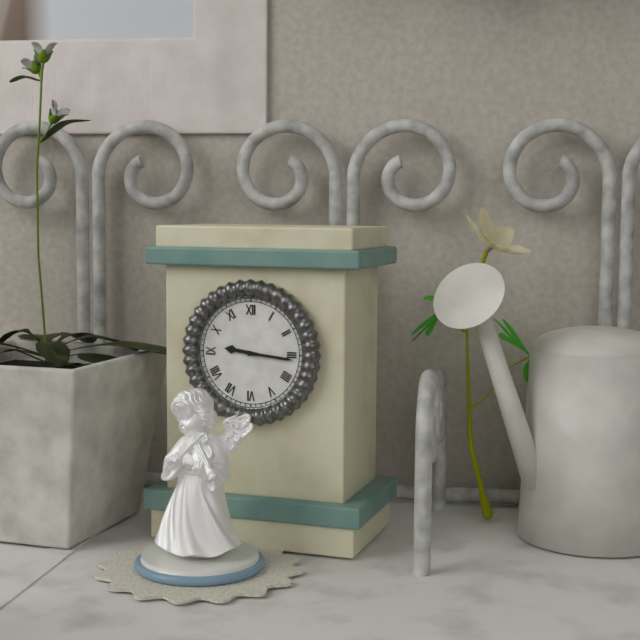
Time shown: **9:16**
